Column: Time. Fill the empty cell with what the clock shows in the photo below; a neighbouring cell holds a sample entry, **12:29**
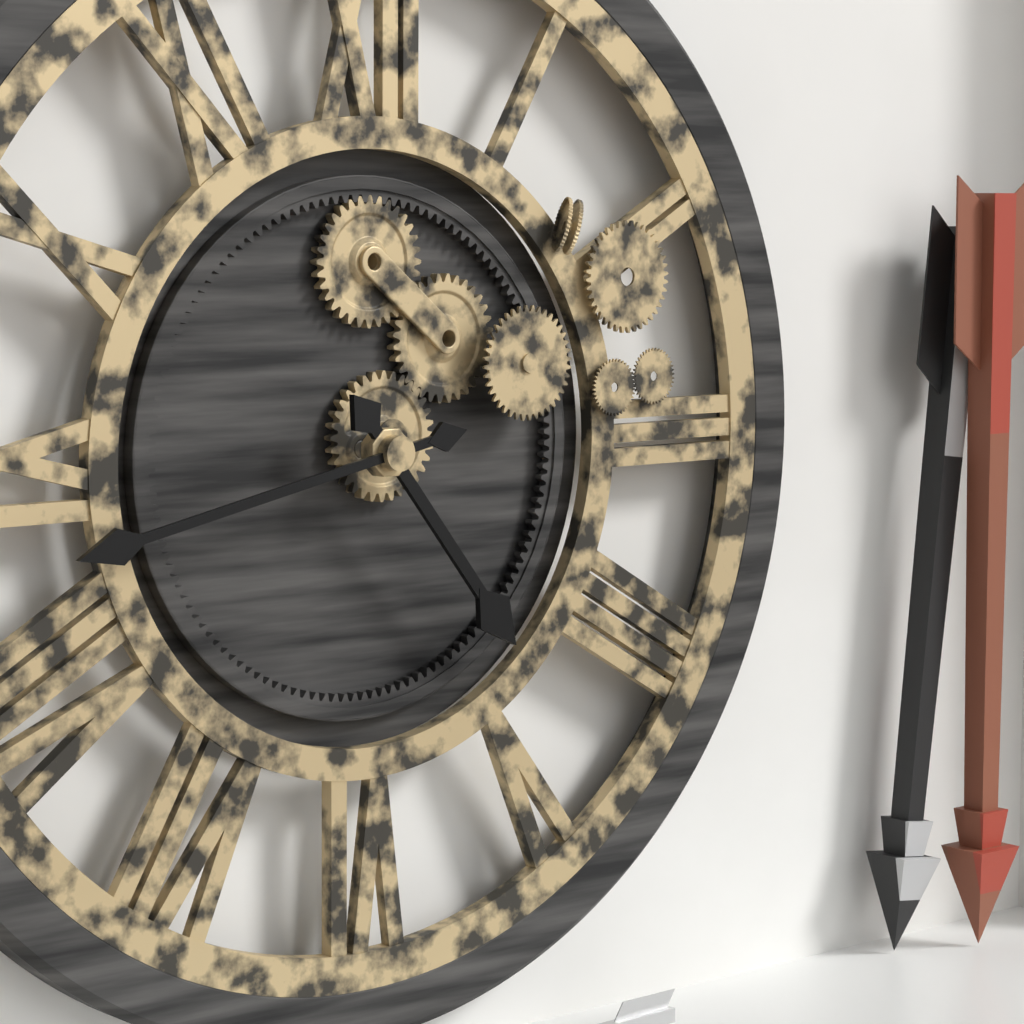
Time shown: **4:43**
